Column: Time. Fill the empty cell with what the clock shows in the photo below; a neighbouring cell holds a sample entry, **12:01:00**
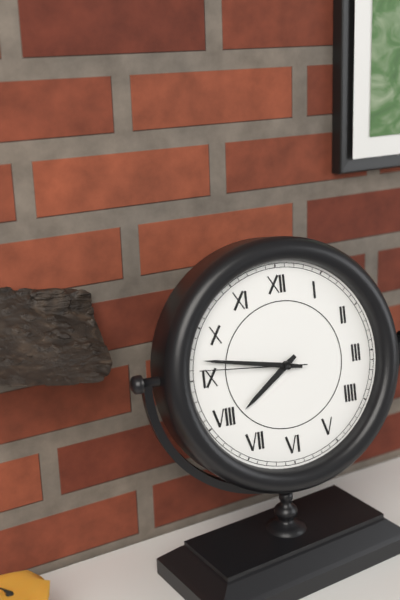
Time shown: **7:47:46**
